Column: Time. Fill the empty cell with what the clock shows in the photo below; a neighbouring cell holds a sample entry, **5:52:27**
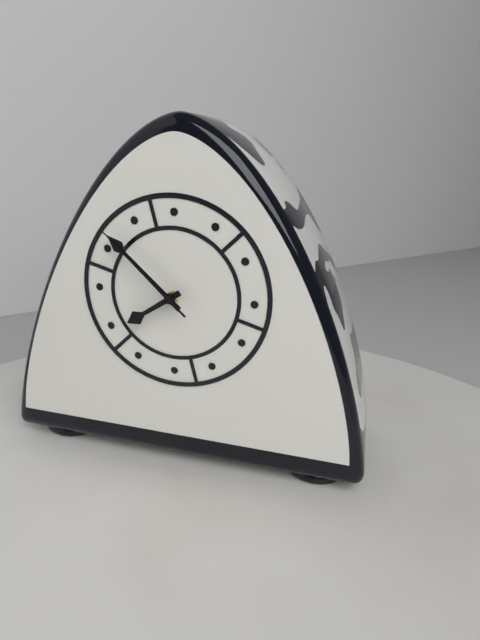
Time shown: **7:52:52**
